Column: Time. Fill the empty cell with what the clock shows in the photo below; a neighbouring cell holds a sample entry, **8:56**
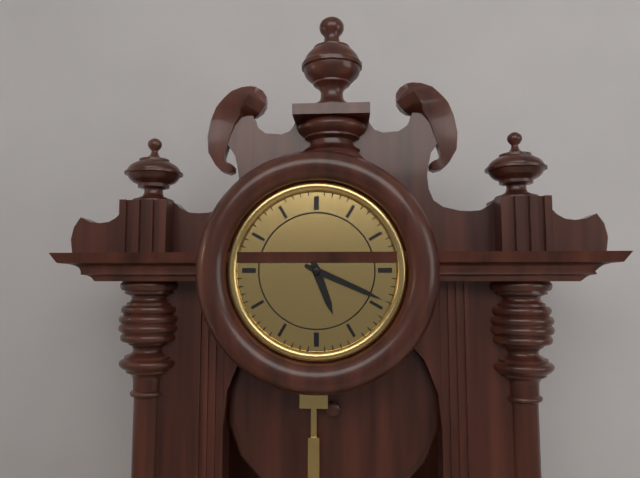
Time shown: **5:19**
